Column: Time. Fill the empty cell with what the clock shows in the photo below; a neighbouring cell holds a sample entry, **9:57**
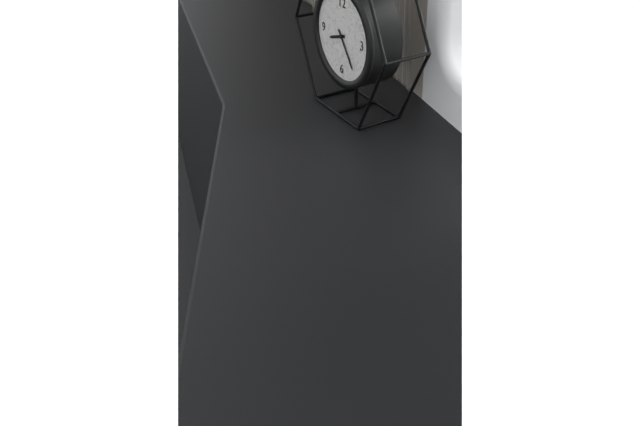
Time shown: **8:24**
